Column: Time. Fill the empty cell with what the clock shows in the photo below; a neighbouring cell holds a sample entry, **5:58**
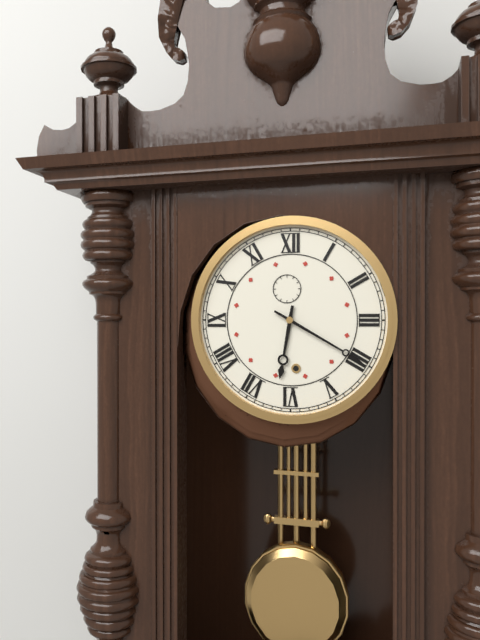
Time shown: **6:20**
